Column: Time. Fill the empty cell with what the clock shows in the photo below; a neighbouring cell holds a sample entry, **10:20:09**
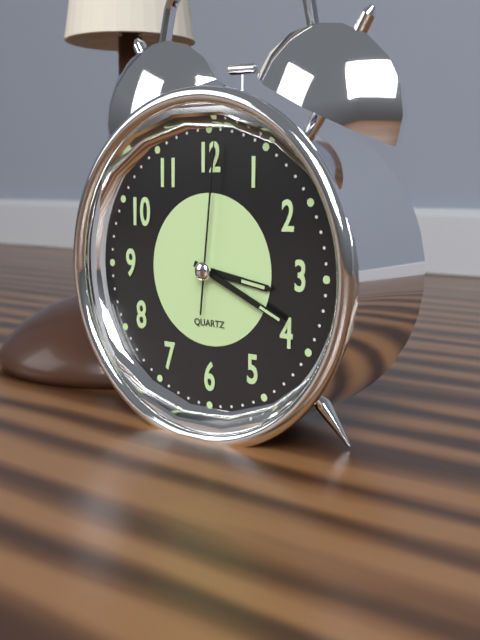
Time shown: **3:19:01**
